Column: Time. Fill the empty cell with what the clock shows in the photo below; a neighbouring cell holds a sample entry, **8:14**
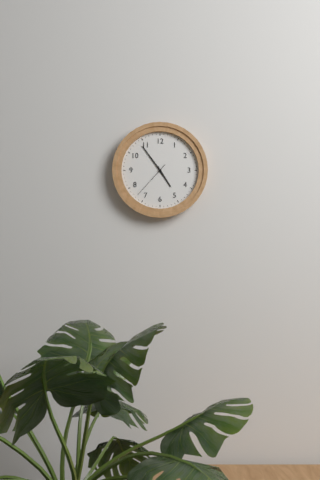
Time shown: **4:54**
